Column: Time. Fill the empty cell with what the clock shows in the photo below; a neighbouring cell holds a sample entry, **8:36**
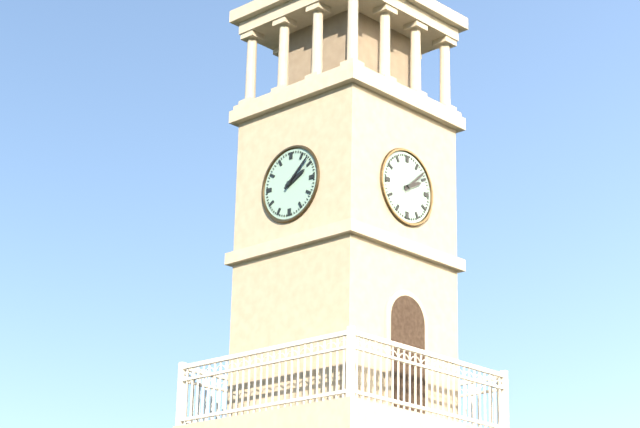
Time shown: **2:08**
